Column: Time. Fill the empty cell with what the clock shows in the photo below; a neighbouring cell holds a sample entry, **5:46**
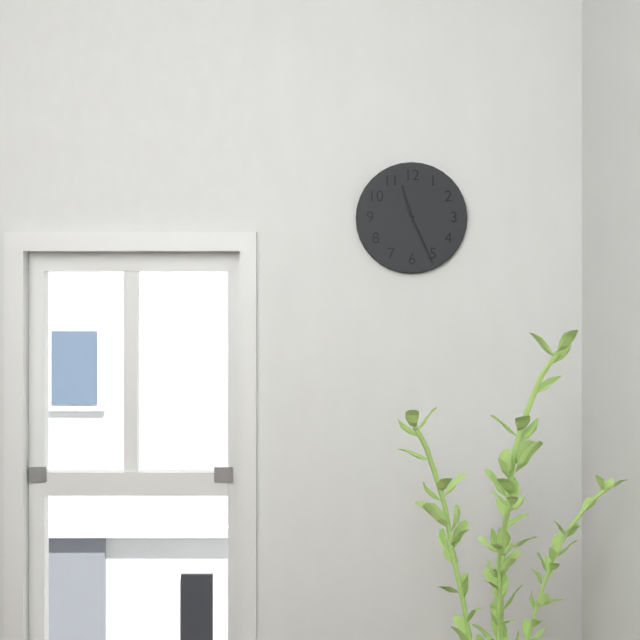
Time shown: **11:26**
